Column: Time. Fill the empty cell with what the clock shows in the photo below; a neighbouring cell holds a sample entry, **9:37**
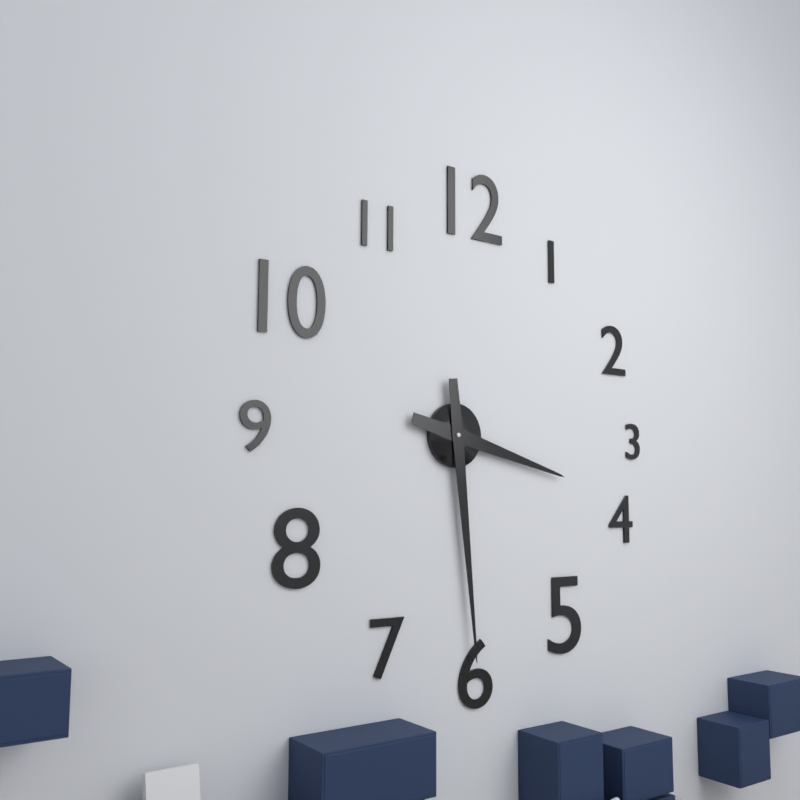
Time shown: **3:29**
